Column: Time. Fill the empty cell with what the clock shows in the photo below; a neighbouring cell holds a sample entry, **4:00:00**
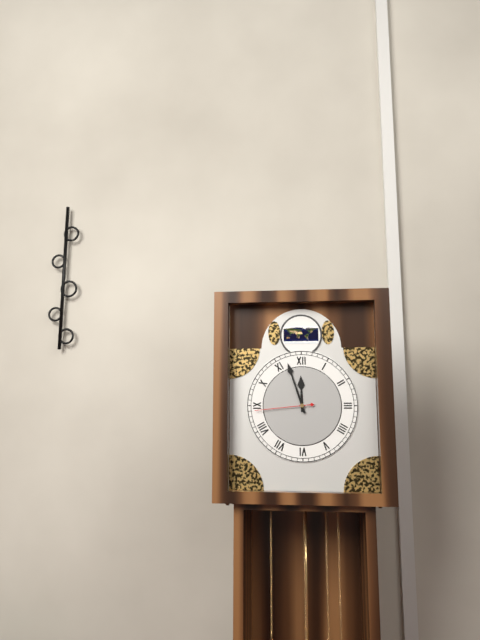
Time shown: **11:57:44**
